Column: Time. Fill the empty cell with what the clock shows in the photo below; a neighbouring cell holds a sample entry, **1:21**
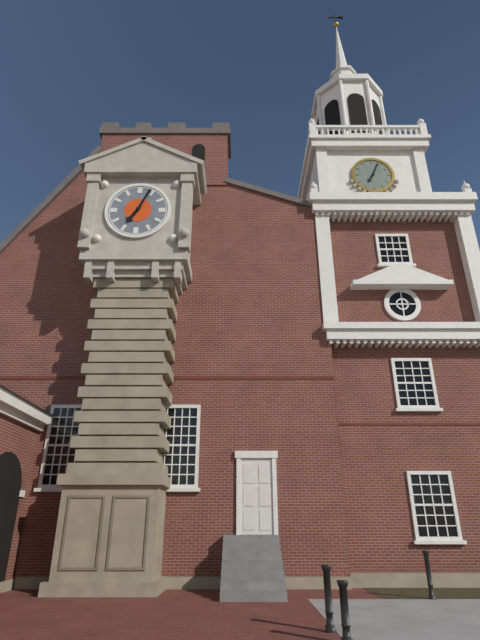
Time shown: **7:04**
